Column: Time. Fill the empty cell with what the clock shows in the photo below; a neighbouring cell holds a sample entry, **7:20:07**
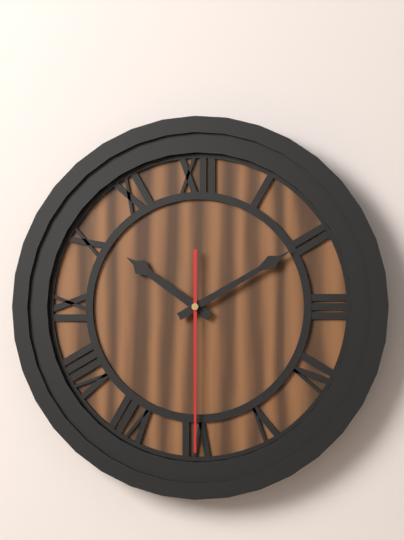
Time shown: **10:10:30**
